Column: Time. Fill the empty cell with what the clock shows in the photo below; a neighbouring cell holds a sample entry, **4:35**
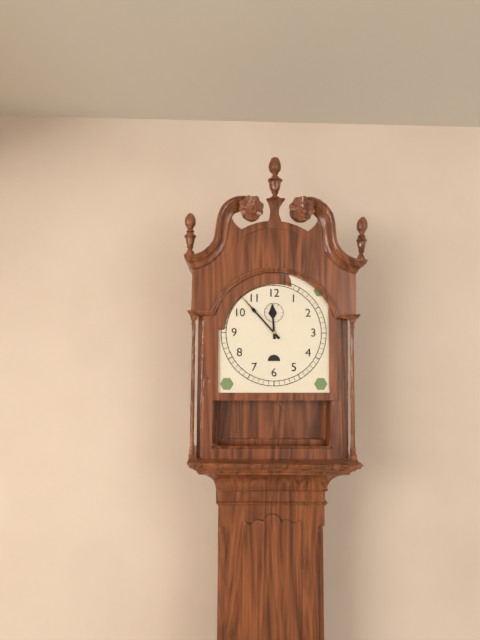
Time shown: **11:53**
